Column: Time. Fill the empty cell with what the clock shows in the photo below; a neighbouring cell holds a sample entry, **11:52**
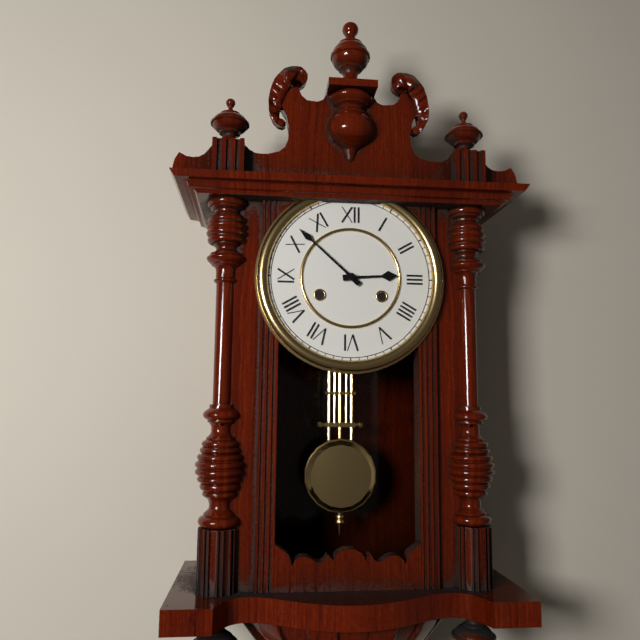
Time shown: **2:52**
